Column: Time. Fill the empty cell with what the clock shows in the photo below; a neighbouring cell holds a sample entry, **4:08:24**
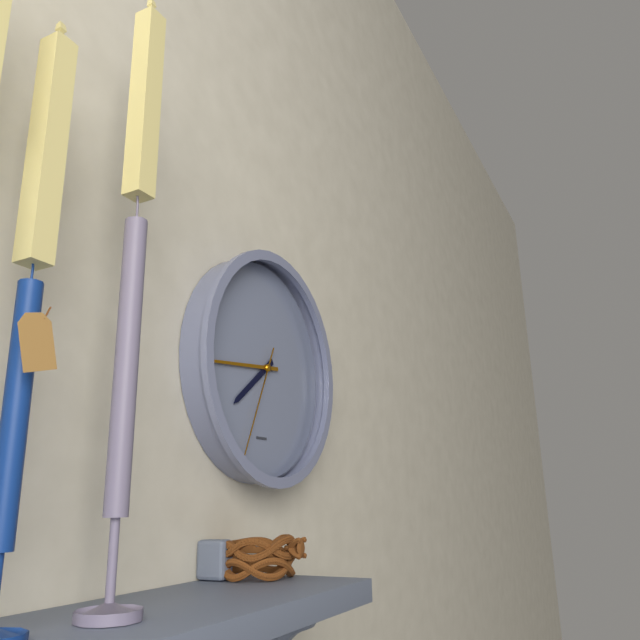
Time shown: **7:44:34**
